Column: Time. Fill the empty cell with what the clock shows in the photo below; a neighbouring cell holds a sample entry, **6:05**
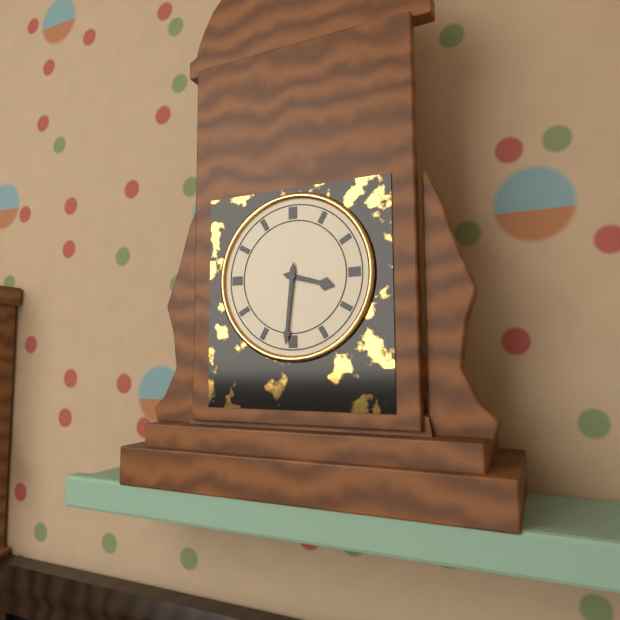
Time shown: **3:31**
